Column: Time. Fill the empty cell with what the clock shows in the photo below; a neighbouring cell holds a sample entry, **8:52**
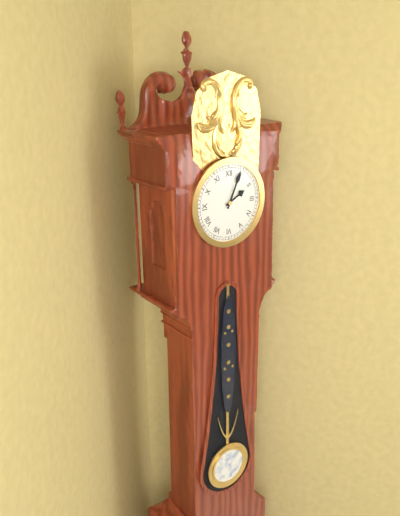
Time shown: **2:04**
